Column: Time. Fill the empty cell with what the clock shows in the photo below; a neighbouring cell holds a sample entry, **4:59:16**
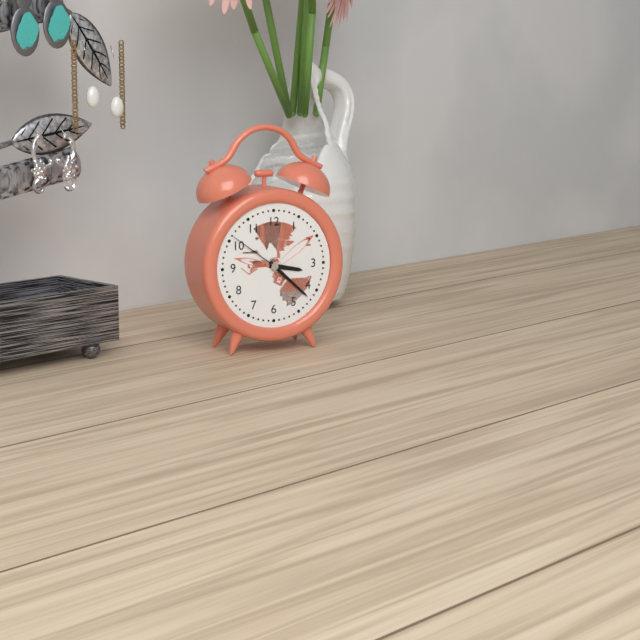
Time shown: **3:22:51**
